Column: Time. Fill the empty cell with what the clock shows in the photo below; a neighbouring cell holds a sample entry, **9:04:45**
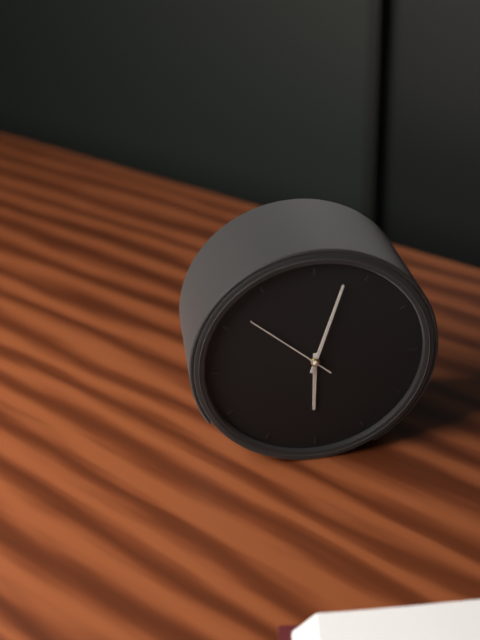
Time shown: **6:03:52**
